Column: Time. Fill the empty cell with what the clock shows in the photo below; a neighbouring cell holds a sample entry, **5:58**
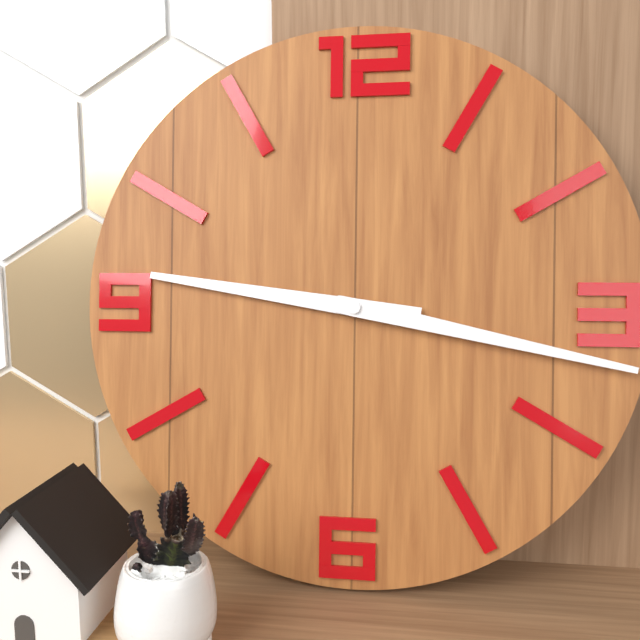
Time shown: **9:17**
